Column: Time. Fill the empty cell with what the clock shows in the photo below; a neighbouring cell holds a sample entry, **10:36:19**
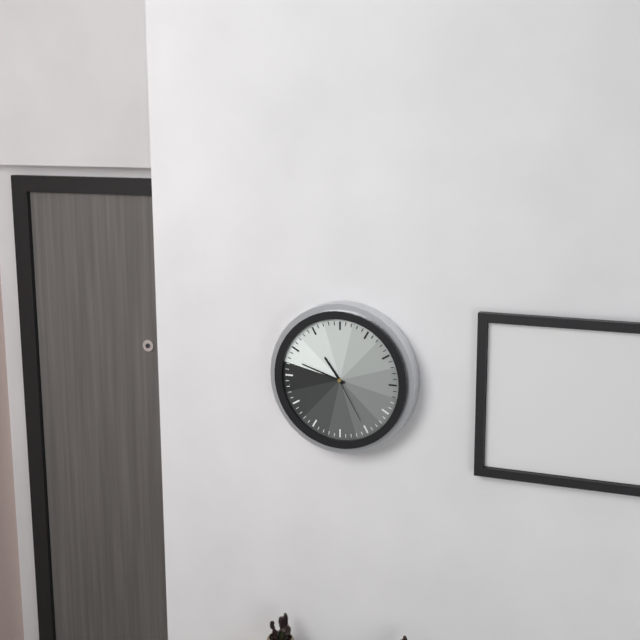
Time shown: **10:48:25**
